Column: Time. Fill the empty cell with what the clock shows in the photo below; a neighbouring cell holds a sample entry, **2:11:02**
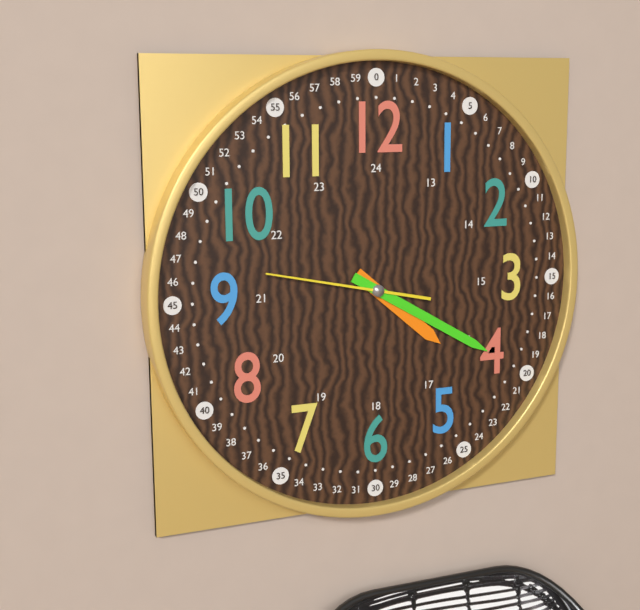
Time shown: **4:20:47**
